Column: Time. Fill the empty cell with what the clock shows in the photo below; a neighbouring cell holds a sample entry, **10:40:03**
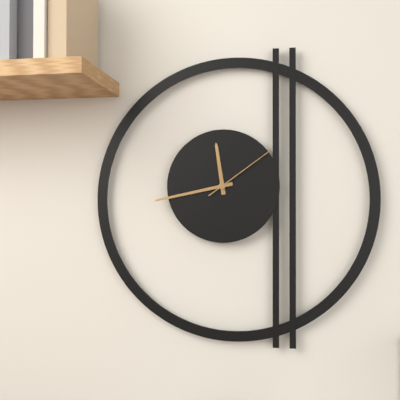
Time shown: **11:43:09**
